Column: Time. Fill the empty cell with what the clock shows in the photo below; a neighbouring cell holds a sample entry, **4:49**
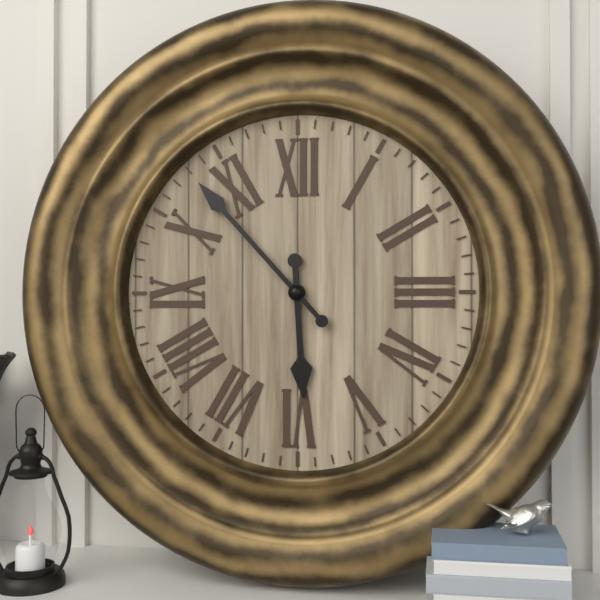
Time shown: **5:53**
